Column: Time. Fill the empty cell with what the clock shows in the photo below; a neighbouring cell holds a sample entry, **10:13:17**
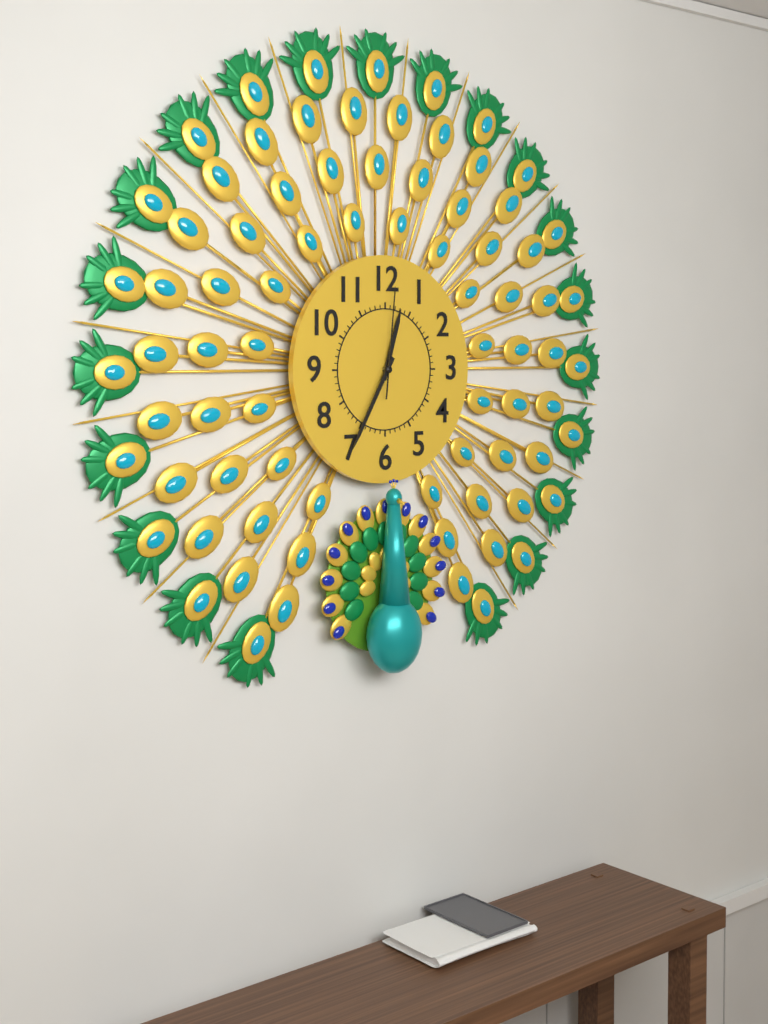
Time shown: **12:35:01**
